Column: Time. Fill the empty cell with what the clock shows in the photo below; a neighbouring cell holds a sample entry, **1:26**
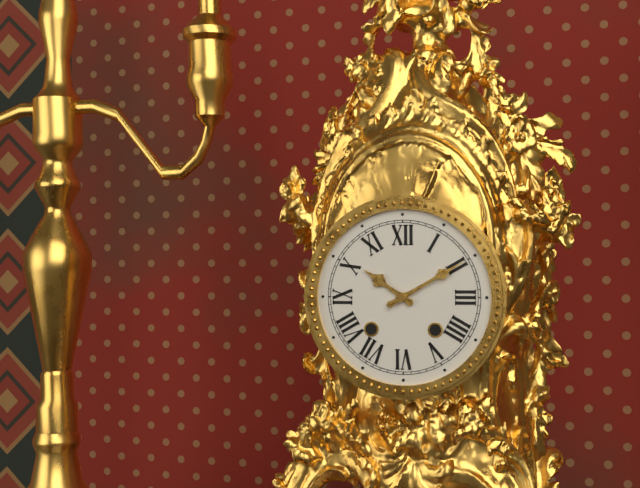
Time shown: **10:10**
